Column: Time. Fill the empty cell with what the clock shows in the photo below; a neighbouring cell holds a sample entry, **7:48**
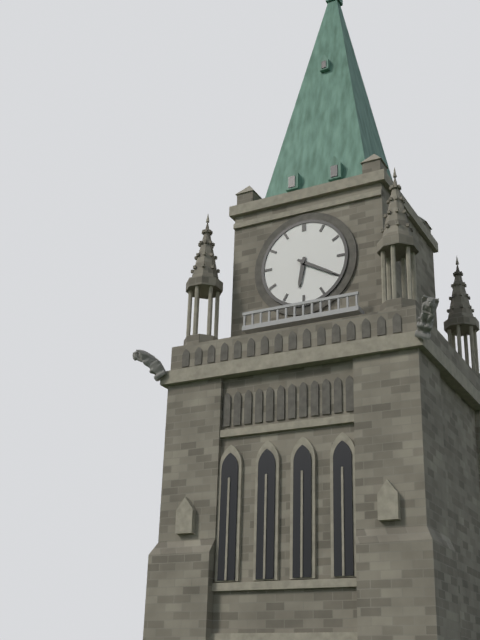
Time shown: **6:20**
